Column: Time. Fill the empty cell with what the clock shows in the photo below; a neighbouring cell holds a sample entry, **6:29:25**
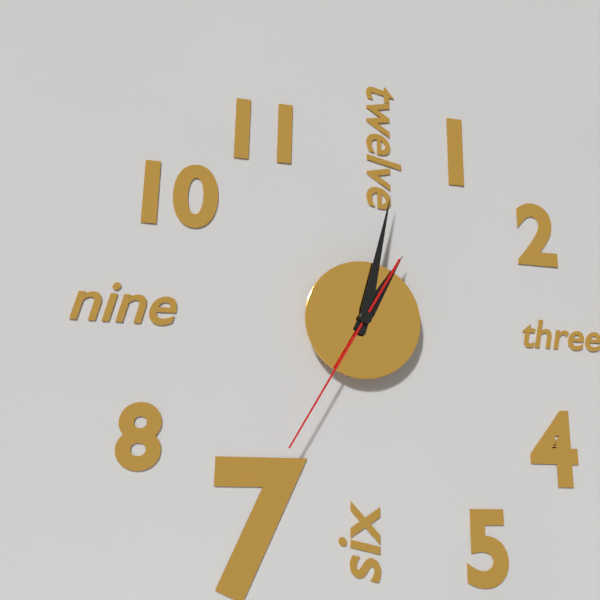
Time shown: **1:02:35**
